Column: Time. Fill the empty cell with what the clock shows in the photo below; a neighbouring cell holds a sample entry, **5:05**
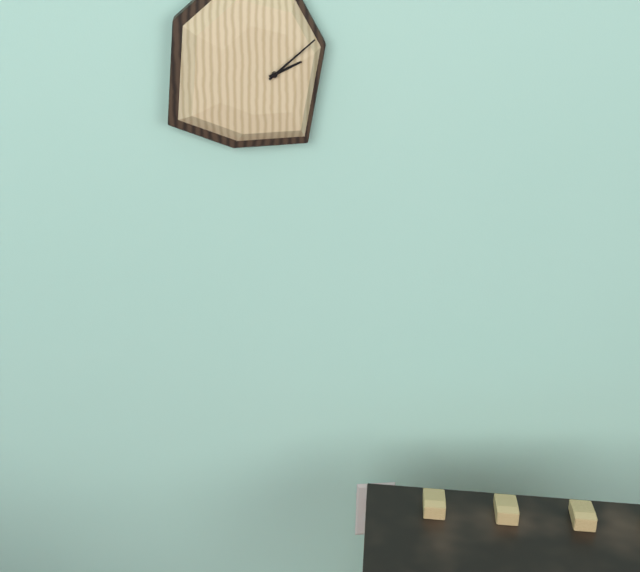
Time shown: **2:08**
